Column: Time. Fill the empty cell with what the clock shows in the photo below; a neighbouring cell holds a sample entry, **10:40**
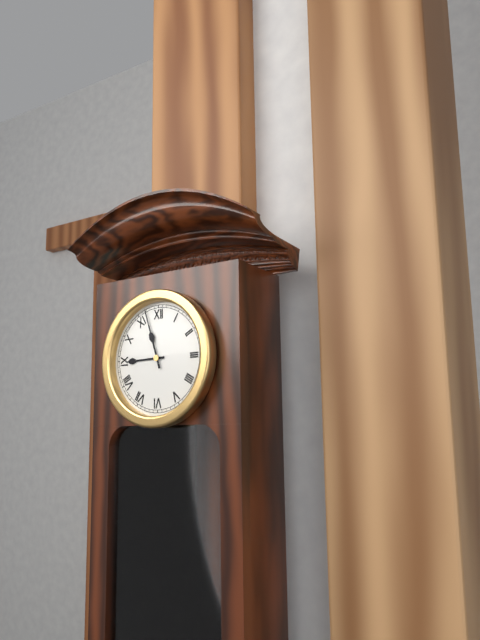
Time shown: **8:57**
